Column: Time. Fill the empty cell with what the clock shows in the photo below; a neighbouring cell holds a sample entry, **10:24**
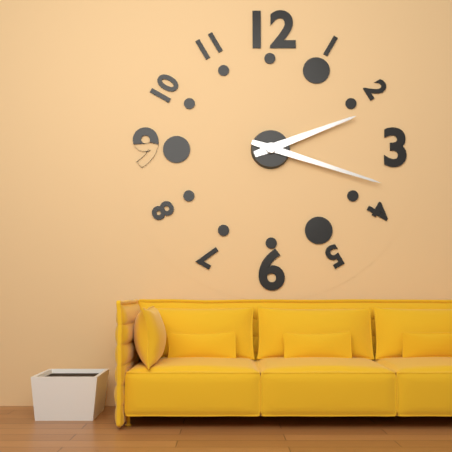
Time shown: **2:18**
